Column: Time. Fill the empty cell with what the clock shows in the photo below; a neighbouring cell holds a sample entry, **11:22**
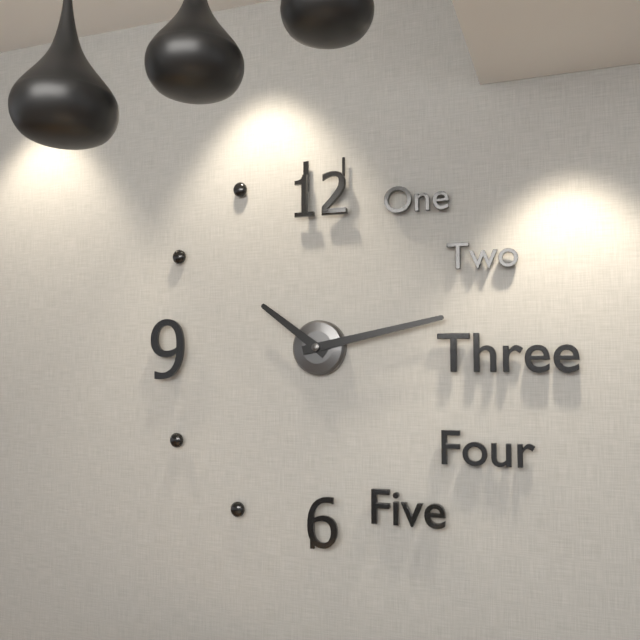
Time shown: **10:13**
